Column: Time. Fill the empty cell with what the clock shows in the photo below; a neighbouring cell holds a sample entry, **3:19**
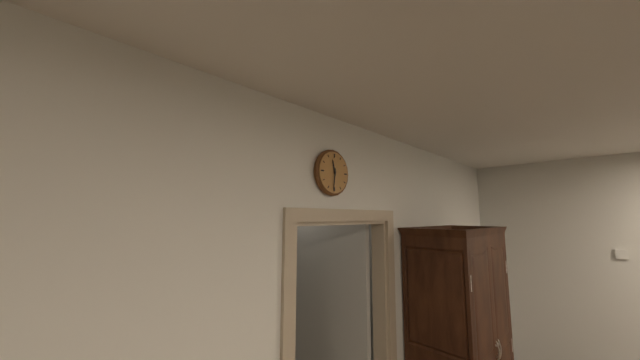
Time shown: **11:31**
